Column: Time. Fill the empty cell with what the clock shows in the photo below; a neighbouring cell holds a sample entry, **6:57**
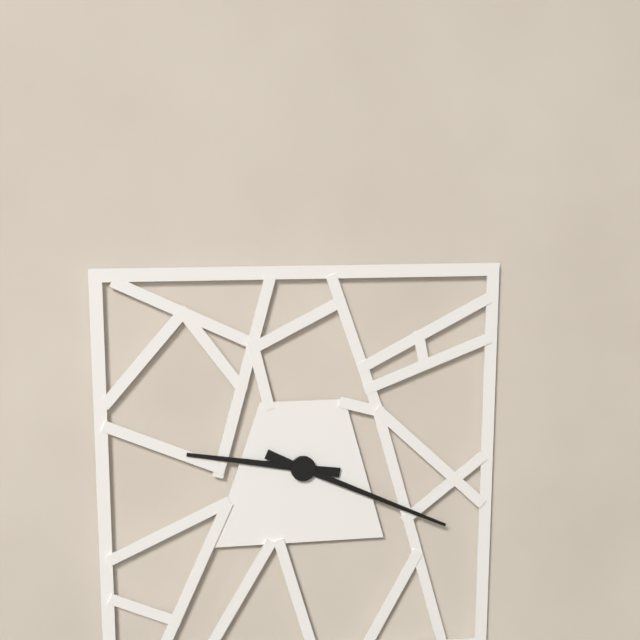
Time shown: **9:19**
